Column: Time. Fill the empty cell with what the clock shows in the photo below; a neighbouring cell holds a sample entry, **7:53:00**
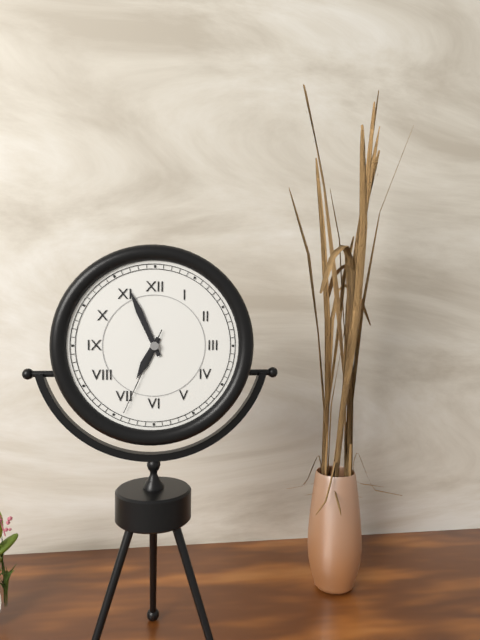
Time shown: **6:56:34**
